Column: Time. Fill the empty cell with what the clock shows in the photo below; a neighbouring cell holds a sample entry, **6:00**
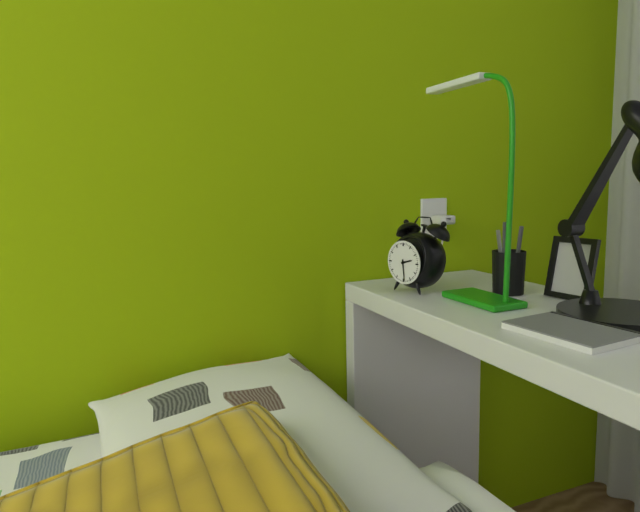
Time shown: **2:29**
